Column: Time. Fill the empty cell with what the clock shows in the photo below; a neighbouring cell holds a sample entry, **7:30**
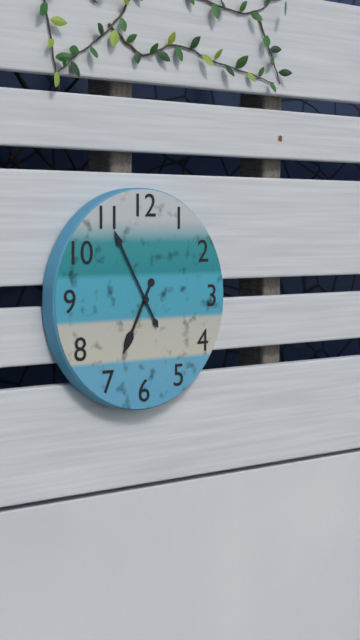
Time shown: **6:55**
